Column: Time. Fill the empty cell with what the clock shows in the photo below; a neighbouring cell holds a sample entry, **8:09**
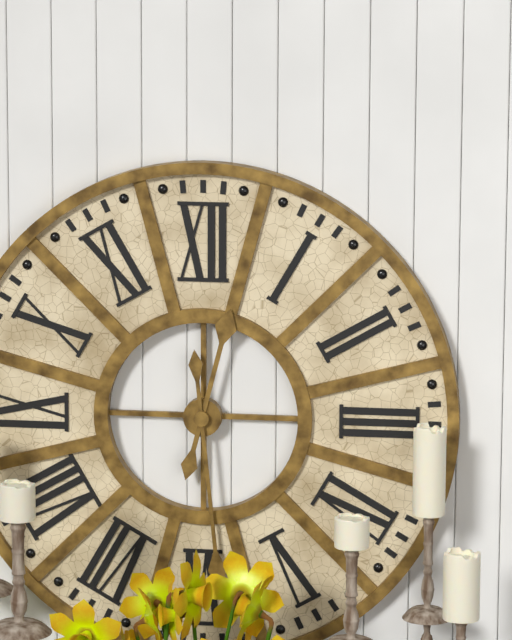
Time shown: **12:29**
